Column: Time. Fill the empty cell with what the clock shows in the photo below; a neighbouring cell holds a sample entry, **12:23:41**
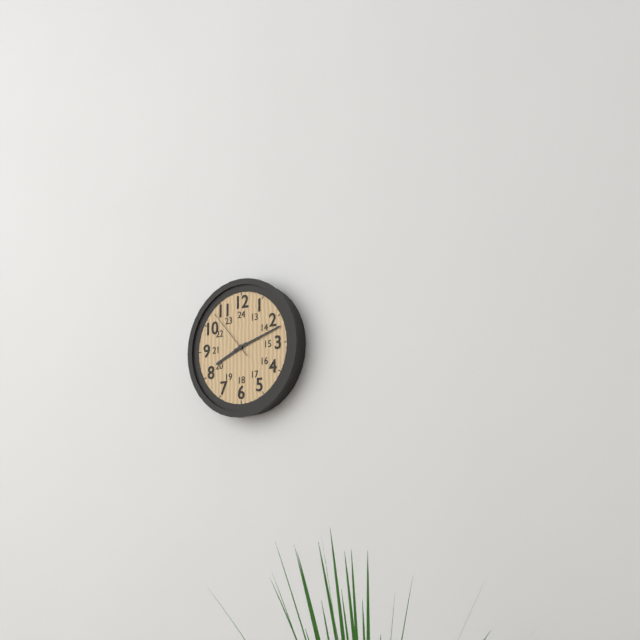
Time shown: **8:12:53**
